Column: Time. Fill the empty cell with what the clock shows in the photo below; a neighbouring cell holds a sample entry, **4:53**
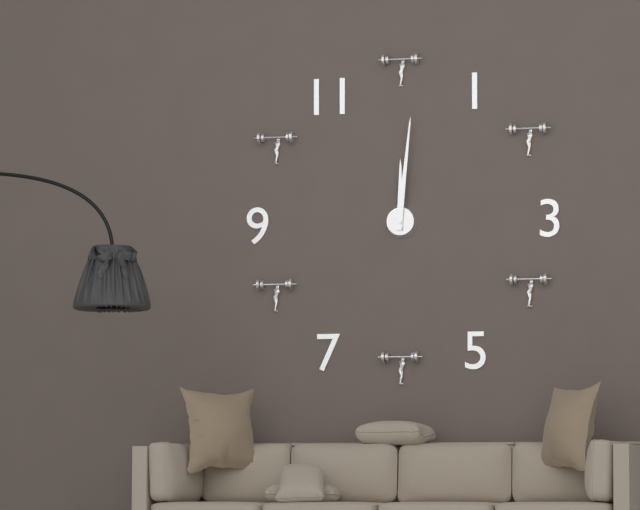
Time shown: **12:01**
